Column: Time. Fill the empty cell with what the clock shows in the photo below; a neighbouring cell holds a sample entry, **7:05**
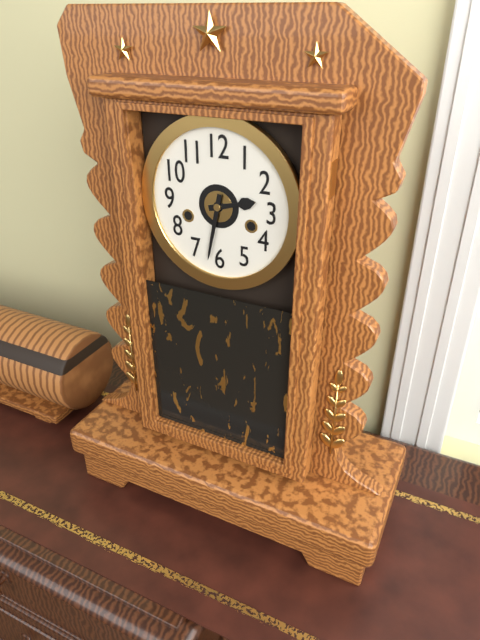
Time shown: **2:32**
